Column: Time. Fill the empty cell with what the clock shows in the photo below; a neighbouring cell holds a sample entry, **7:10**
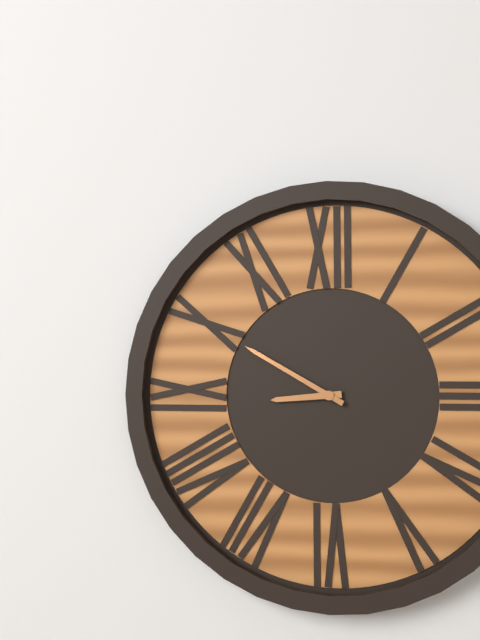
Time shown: **8:50**
